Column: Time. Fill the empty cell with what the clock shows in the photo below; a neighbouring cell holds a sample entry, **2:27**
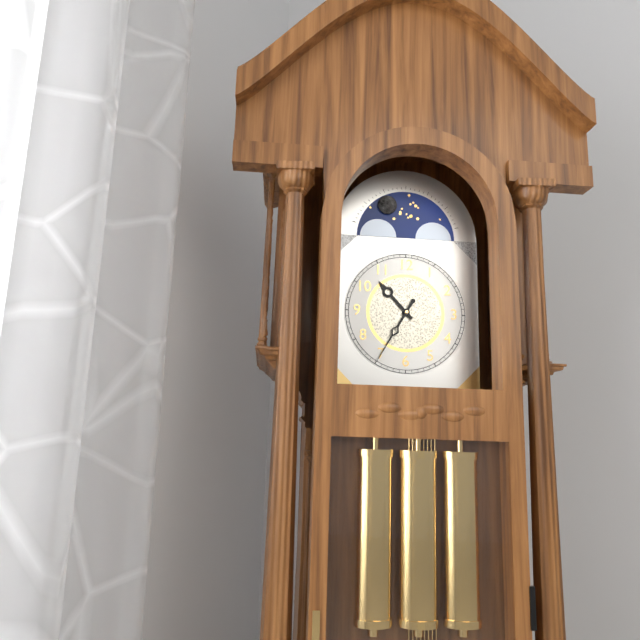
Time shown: **10:35**
